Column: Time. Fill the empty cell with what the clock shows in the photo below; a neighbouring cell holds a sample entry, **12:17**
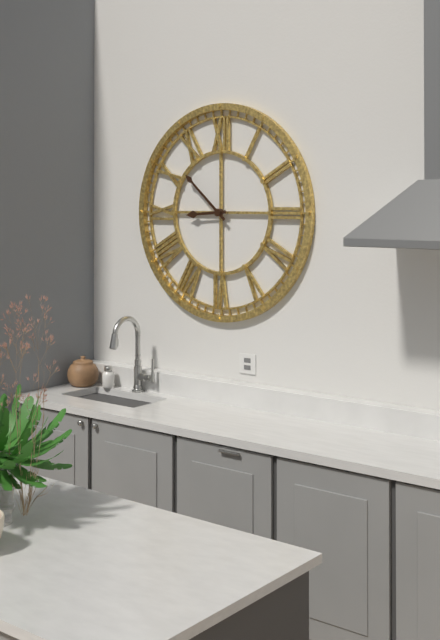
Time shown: **8:52**
